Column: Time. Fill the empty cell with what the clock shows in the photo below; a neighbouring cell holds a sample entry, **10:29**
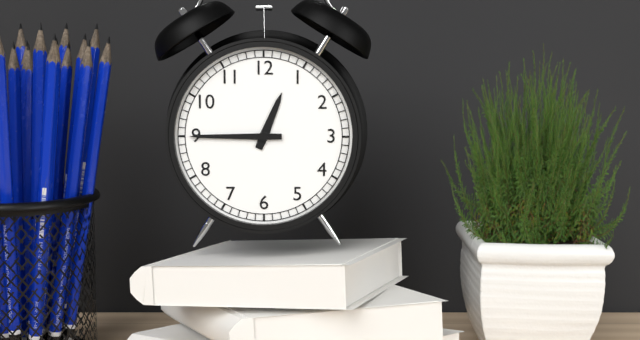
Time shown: **12:45**
